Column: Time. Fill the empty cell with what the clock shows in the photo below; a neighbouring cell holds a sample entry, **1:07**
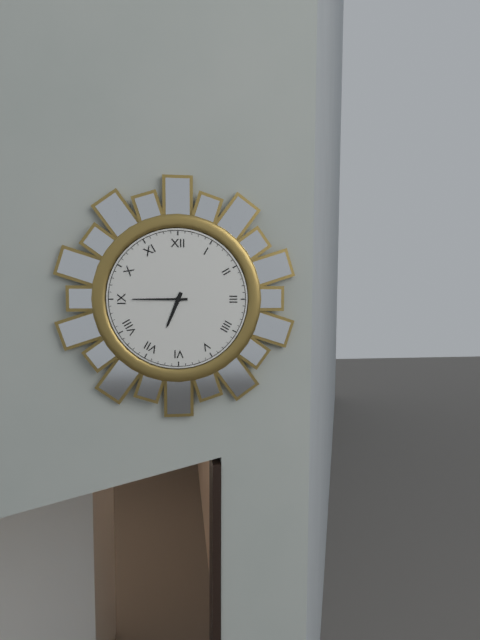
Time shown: **6:45**
